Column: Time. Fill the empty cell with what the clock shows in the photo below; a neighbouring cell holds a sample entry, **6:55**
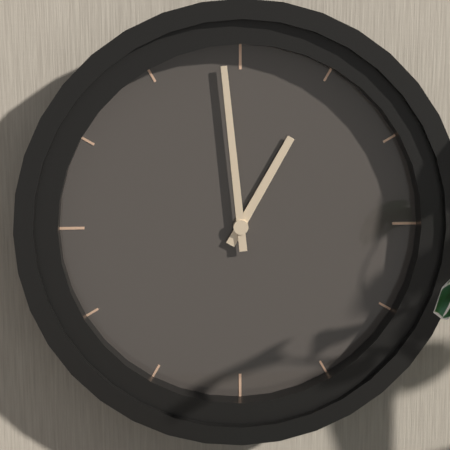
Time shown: **12:59**
